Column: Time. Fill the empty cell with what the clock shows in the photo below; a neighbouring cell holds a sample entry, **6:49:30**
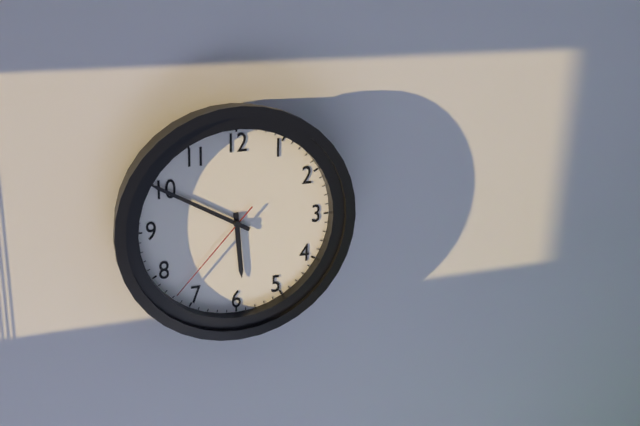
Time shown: **5:50:37**
